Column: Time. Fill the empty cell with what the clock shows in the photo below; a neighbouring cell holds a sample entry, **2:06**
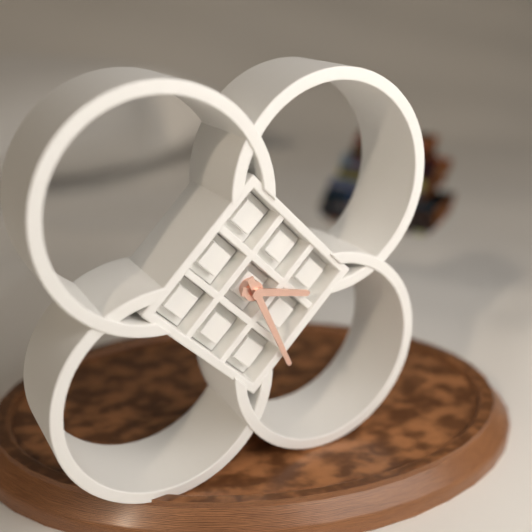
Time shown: **3:26**
